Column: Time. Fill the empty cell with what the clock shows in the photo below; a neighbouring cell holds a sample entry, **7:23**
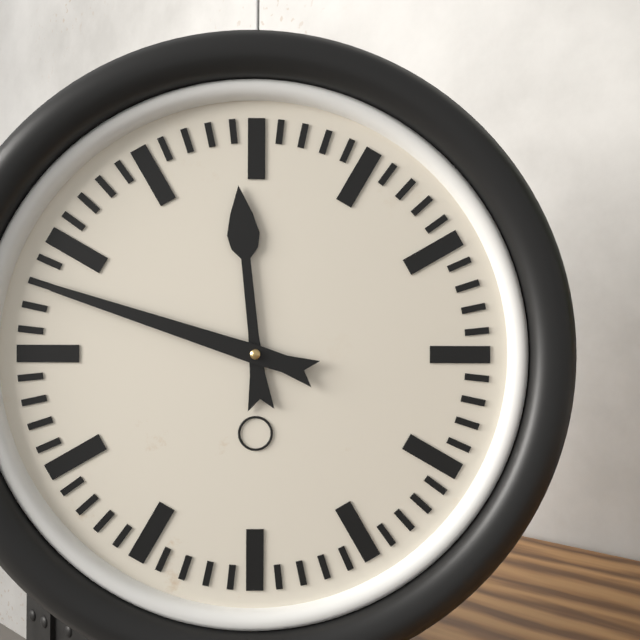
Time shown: **11:48**
